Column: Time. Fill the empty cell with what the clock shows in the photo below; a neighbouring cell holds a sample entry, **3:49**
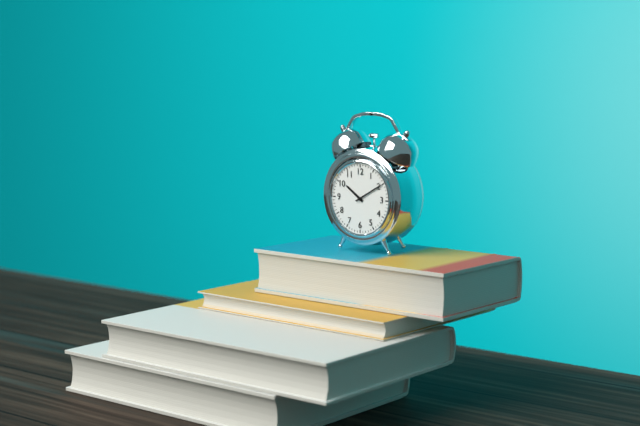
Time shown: **10:10**
